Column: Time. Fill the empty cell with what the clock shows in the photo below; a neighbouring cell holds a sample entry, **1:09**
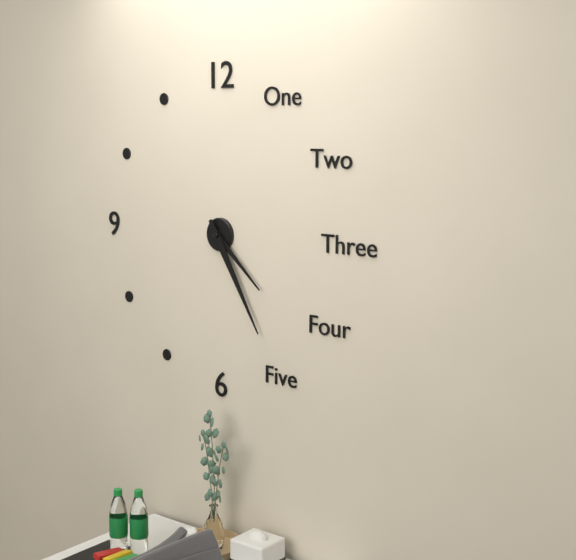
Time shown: **4:25**
